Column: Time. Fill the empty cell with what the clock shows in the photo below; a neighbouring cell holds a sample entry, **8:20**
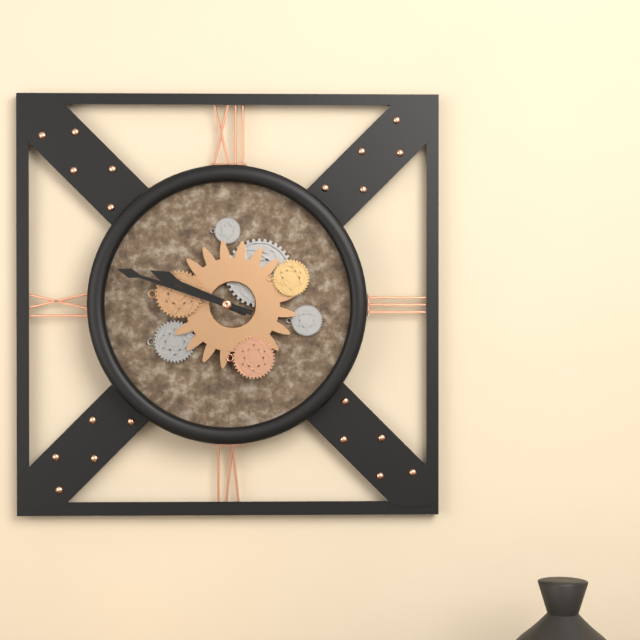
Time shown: **9:48**
